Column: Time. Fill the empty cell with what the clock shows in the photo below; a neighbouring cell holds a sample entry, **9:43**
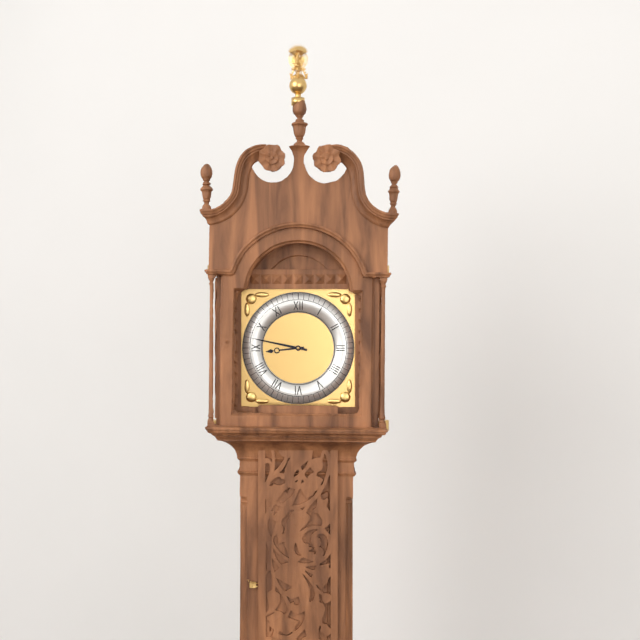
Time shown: **8:47**
